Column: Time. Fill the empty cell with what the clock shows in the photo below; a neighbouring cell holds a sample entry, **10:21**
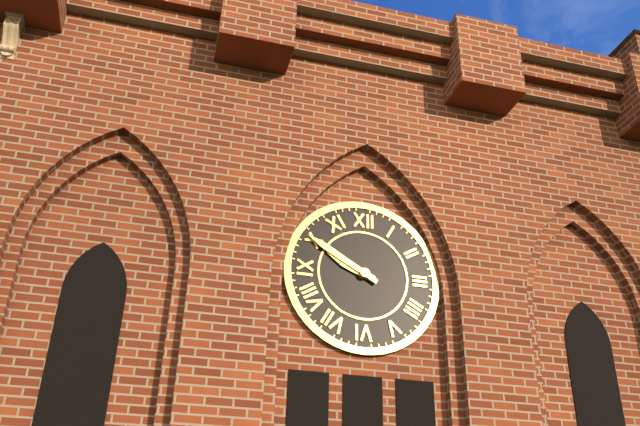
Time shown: **9:50**
